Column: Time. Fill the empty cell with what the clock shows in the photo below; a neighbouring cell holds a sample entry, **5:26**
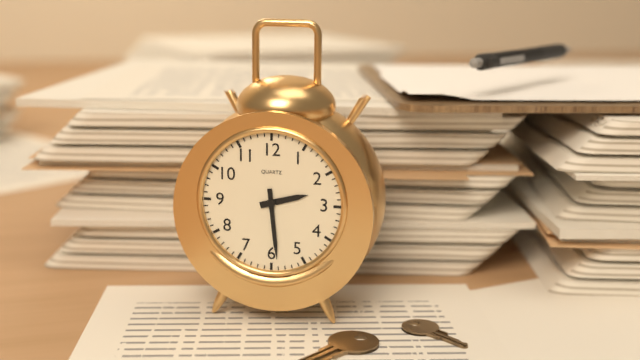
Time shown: **2:29**
